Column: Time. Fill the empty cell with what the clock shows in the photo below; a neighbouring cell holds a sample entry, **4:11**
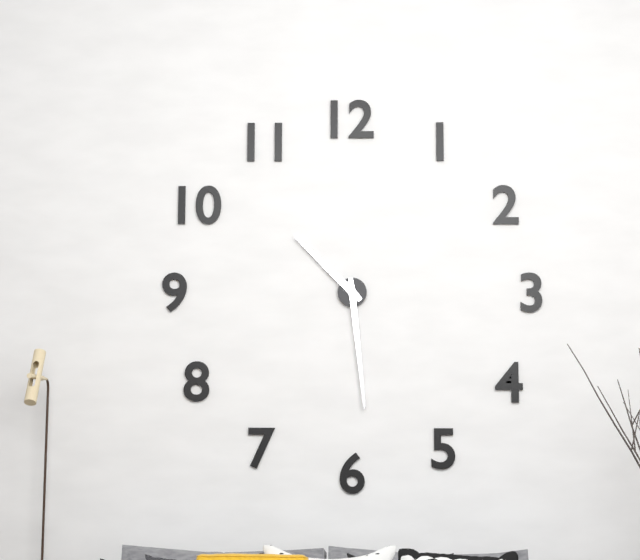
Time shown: **10:29**
